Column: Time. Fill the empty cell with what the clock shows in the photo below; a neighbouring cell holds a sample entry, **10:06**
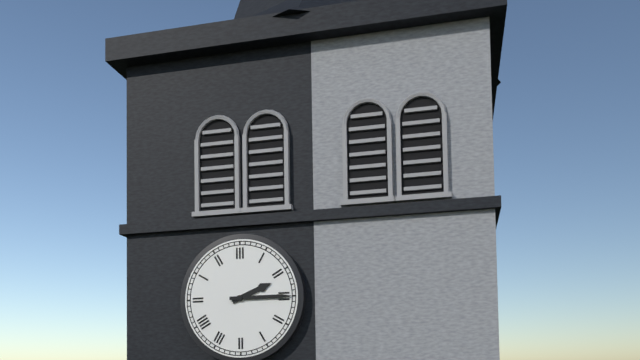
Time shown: **2:15**
